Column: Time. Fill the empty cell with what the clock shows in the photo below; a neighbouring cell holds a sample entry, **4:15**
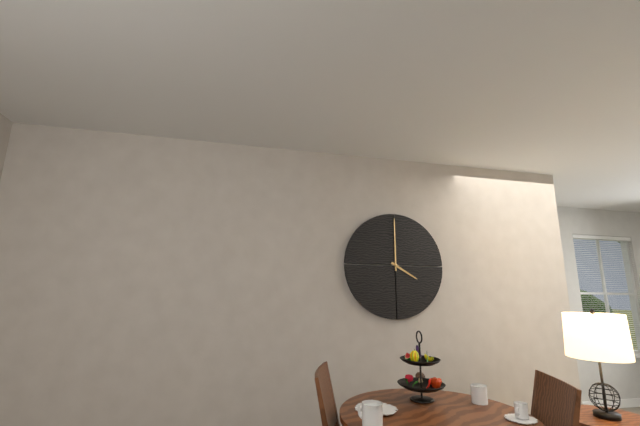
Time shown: **4:00**
